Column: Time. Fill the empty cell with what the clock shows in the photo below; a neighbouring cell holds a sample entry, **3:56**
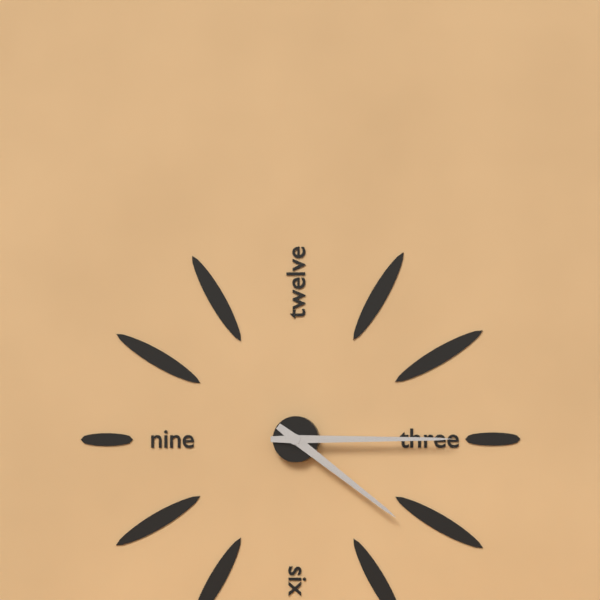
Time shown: **4:15**
